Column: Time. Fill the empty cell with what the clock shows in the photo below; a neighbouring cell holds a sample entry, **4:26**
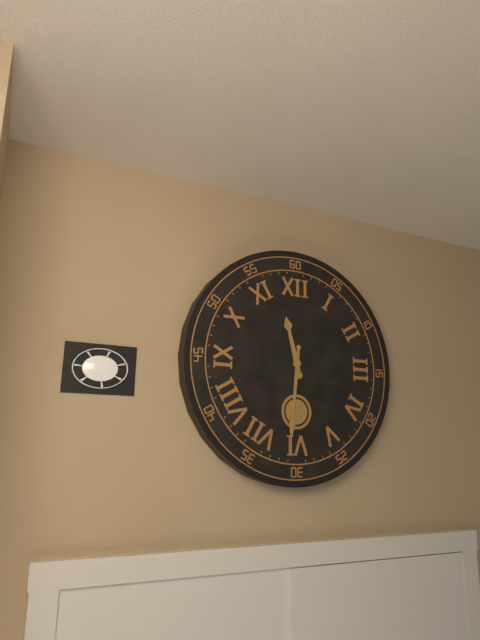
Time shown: **11:31**
